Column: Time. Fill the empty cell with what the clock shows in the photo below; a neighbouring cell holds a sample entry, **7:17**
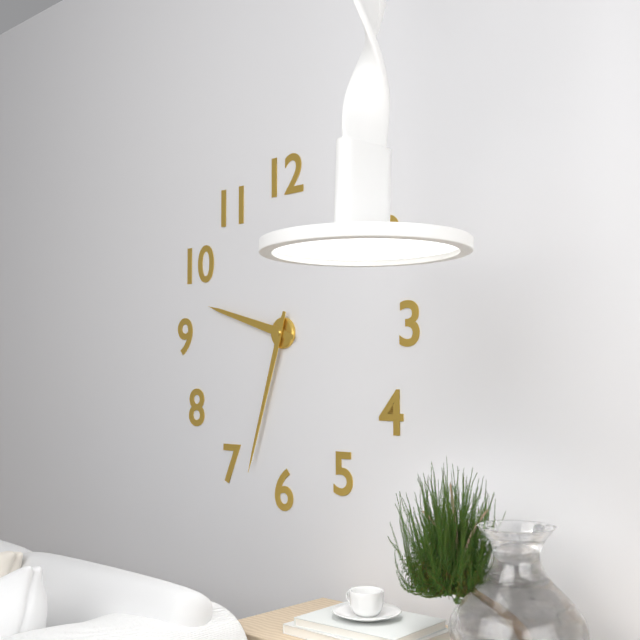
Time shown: **9:33**
